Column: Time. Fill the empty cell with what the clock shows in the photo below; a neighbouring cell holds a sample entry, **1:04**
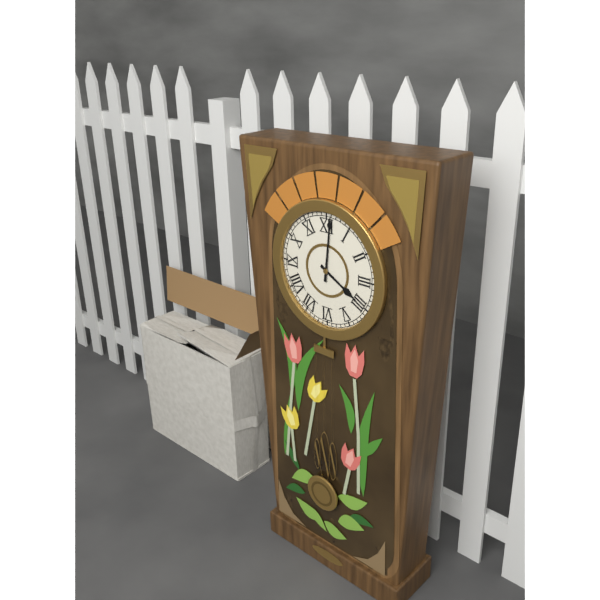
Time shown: **4:01**
